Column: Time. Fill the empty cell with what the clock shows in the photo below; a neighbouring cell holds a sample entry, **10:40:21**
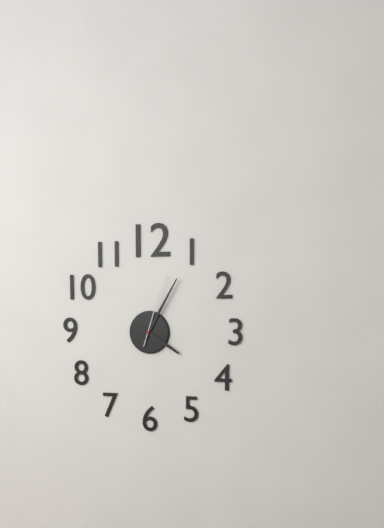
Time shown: **4:05:03**
